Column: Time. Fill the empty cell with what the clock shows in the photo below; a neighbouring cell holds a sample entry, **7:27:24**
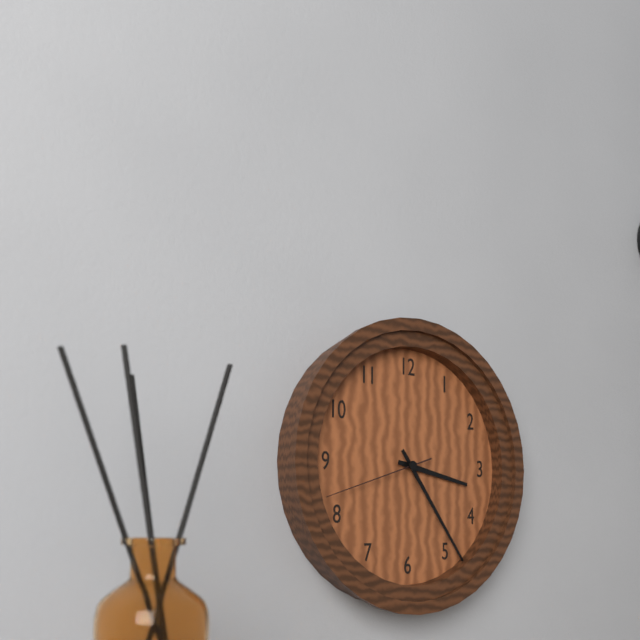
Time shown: **3:24:42**
